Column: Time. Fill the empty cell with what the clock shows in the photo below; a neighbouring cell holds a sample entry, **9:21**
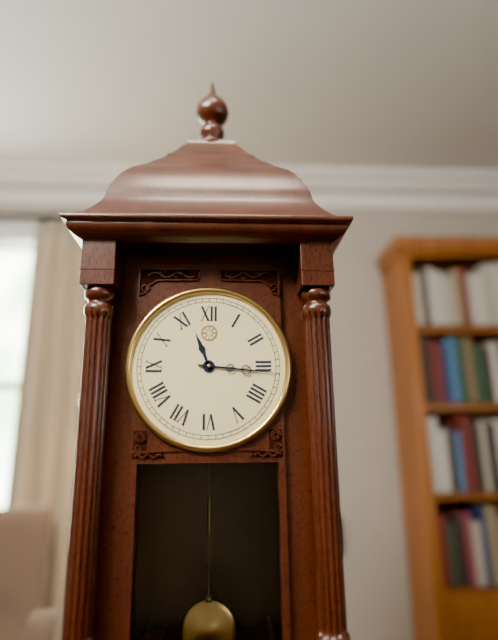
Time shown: **11:16**
